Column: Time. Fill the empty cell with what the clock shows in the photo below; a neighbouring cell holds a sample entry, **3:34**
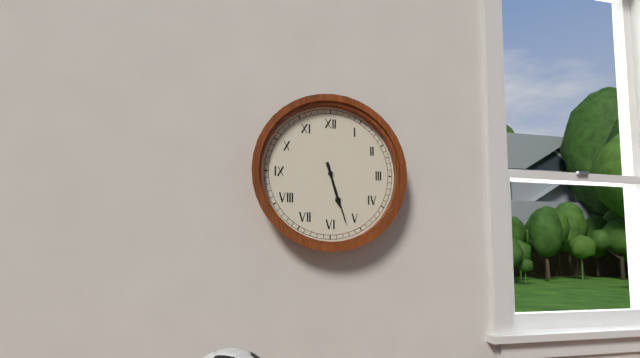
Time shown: **5:27**
